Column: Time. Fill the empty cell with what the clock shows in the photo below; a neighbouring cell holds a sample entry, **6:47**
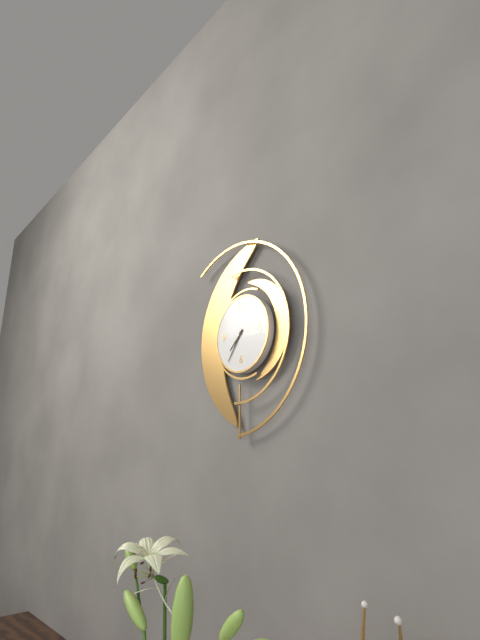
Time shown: **7:36**
